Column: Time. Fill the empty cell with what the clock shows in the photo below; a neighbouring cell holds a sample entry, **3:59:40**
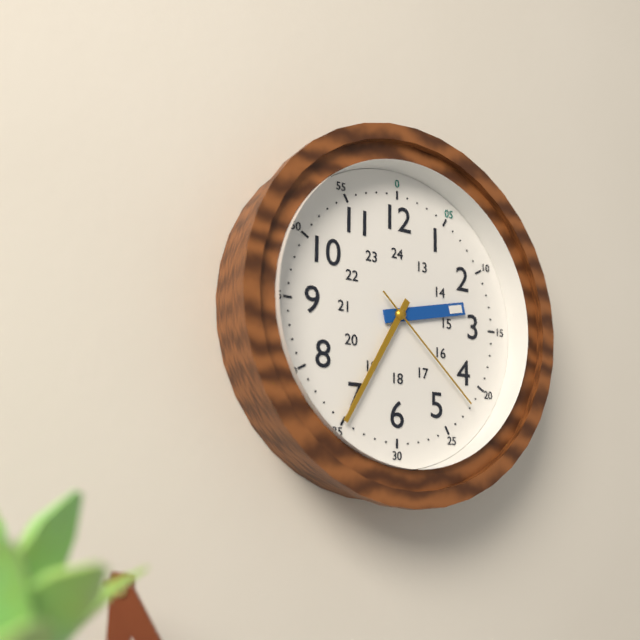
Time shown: **2:35:22**
